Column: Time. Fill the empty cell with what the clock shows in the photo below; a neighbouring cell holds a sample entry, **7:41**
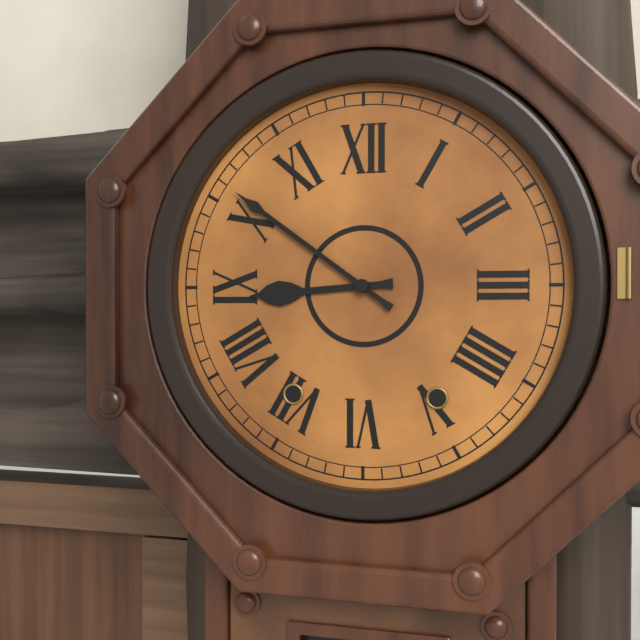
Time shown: **8:51**
